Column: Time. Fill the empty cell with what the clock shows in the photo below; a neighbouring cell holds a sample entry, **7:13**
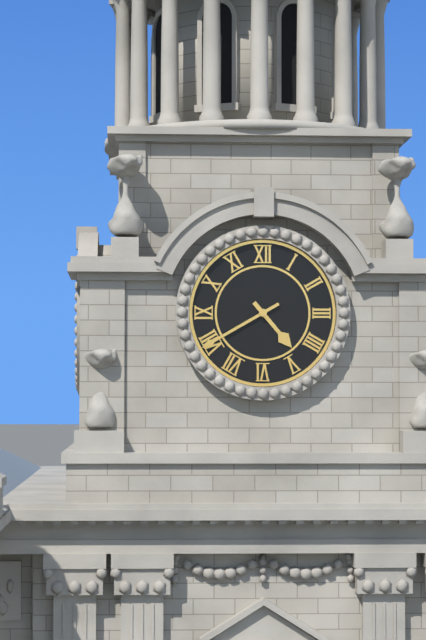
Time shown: **4:40**
